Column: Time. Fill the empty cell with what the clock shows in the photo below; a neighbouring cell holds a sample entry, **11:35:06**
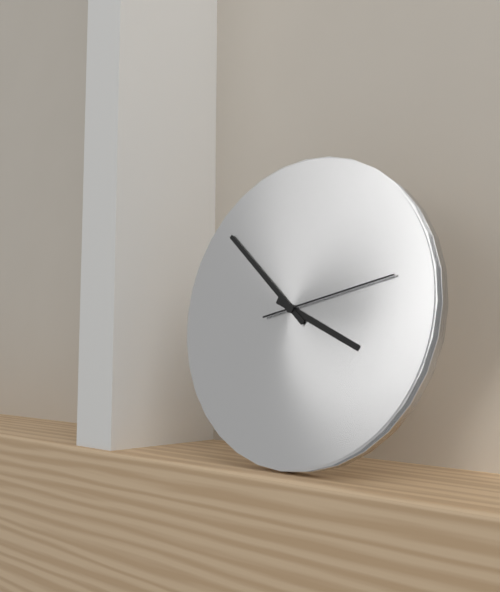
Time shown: **3:52:13**
